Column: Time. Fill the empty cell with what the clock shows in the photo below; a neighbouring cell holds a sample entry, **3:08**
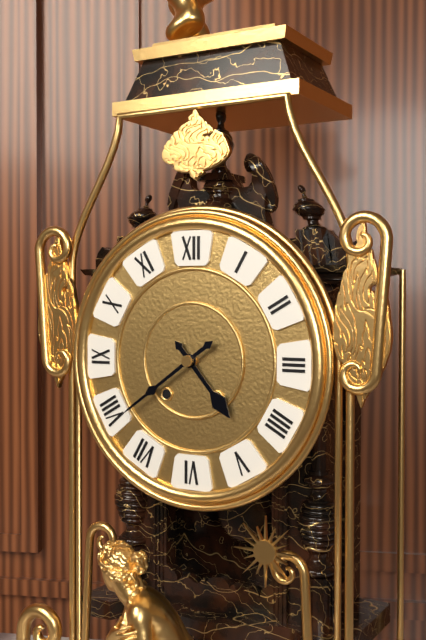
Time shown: **4:39**
